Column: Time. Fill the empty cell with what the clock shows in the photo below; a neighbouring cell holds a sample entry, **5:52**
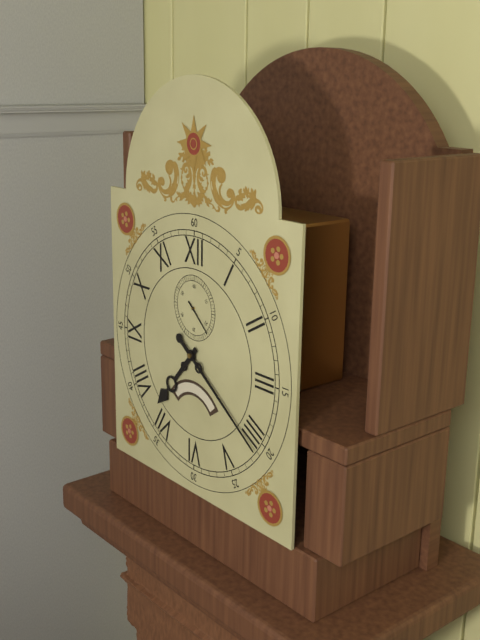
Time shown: **7:21**
